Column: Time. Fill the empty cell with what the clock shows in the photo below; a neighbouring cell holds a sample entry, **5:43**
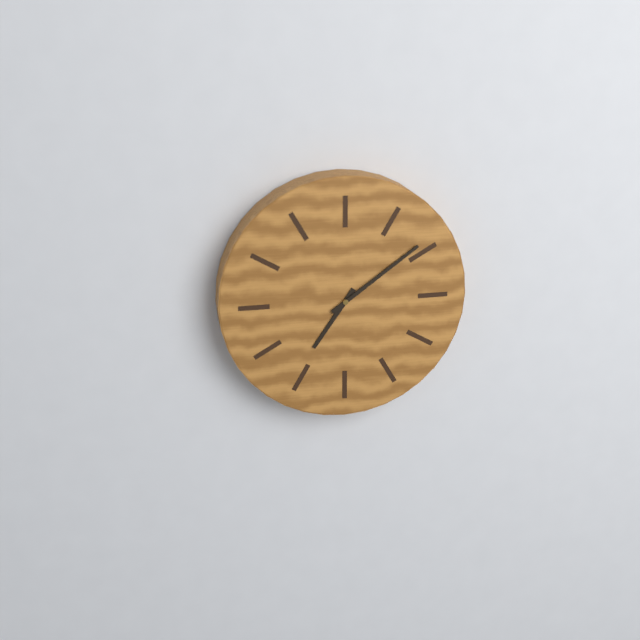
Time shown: **7:09**
